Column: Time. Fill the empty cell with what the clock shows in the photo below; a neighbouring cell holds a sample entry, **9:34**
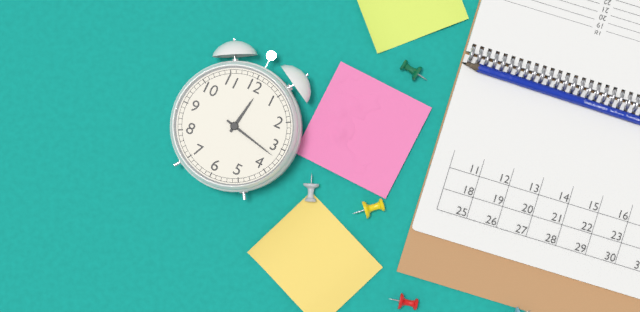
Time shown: **12:17**
